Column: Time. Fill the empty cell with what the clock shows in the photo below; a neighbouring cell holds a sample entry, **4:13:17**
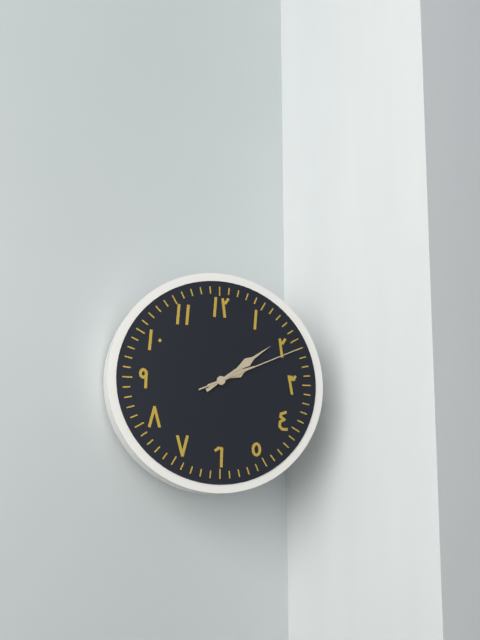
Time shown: **2:09:11**
